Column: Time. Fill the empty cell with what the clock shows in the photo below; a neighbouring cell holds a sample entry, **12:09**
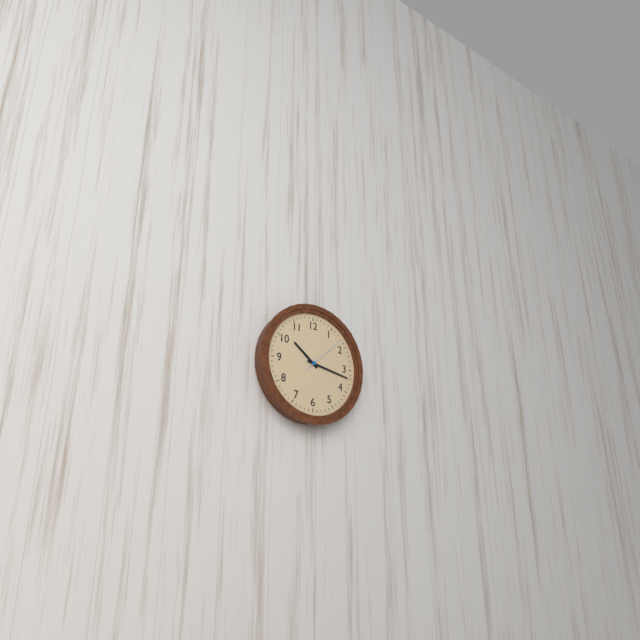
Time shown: **10:17**
